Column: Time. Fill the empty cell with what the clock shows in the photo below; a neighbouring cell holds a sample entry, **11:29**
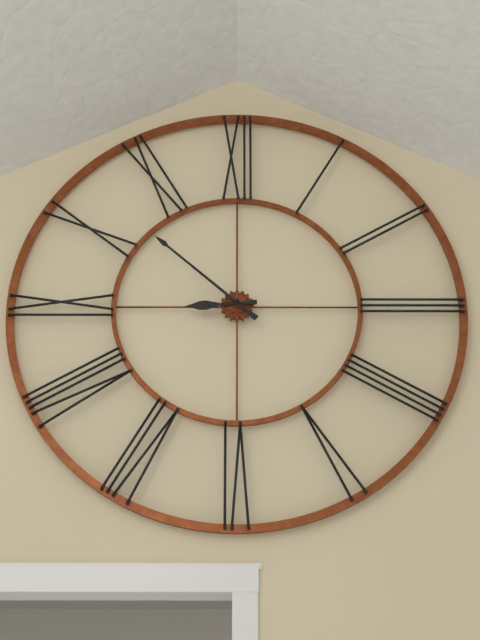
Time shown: **8:52**
